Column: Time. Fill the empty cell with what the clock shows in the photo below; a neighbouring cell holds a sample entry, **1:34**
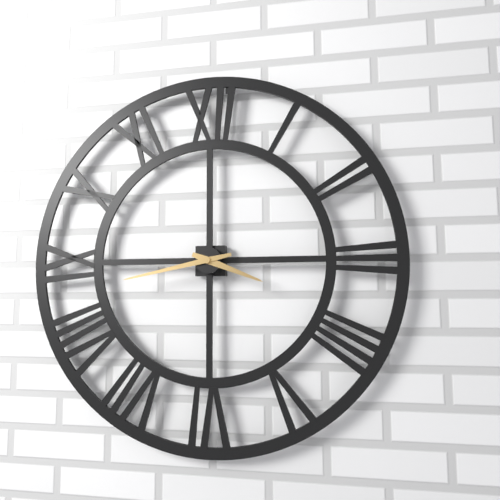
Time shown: **3:43**
